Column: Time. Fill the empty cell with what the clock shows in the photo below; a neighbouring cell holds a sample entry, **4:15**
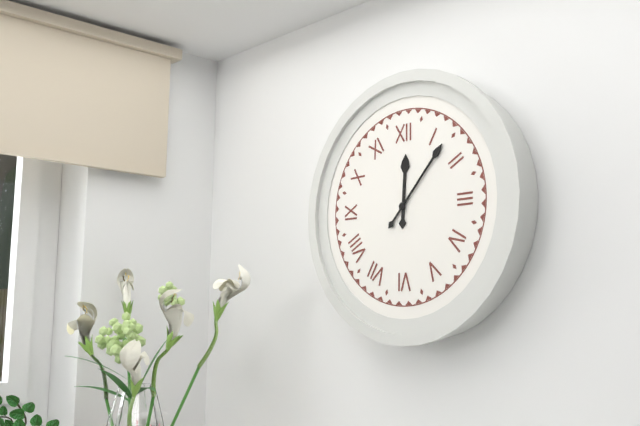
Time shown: **12:07**
